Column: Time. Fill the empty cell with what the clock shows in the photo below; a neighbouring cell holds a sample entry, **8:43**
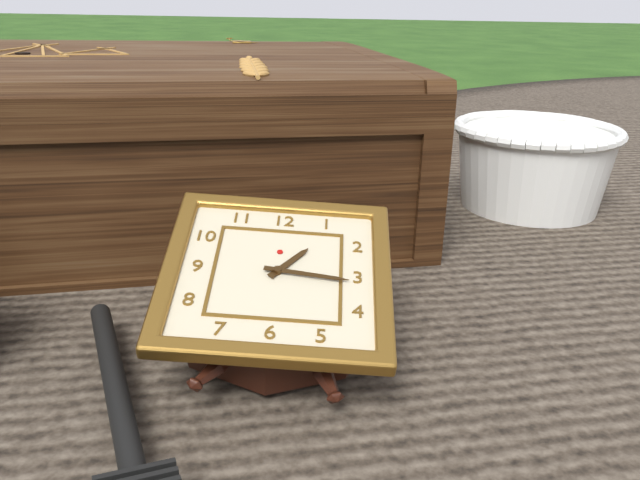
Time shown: **1:16**
